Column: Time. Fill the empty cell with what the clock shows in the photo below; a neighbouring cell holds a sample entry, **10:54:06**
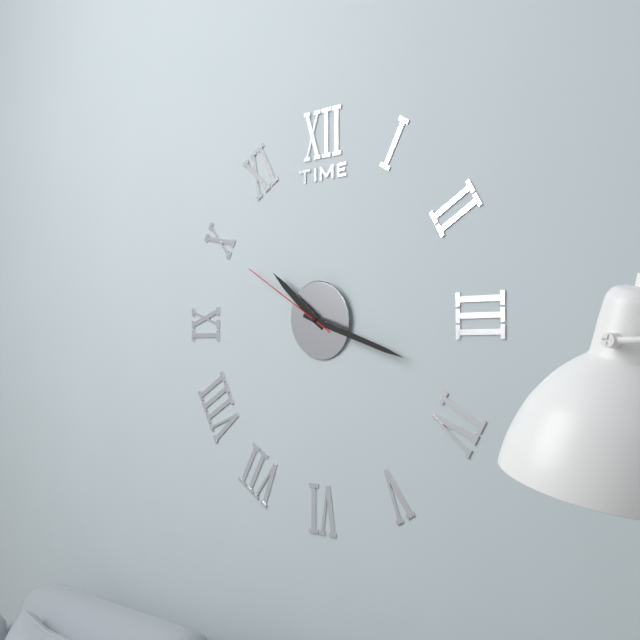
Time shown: **10:18:50**
